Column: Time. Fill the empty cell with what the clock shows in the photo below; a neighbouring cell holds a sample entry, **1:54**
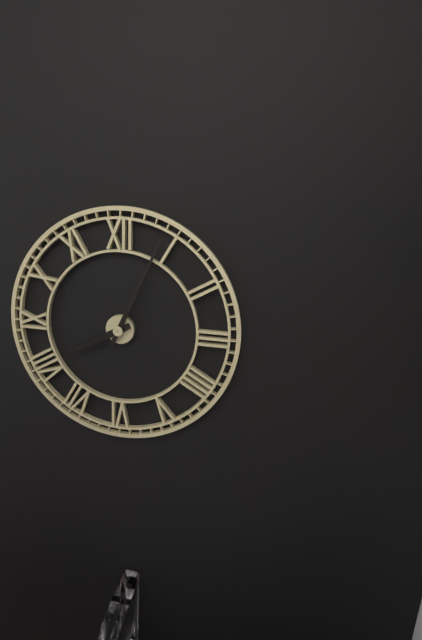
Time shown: **8:04**
